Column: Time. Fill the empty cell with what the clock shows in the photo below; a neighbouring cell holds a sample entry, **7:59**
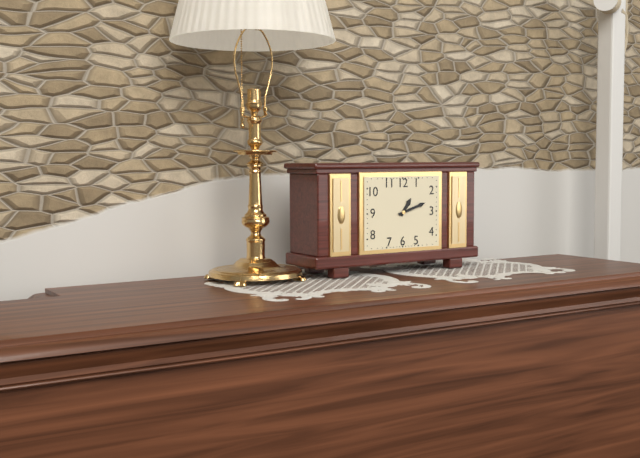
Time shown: **1:12**
